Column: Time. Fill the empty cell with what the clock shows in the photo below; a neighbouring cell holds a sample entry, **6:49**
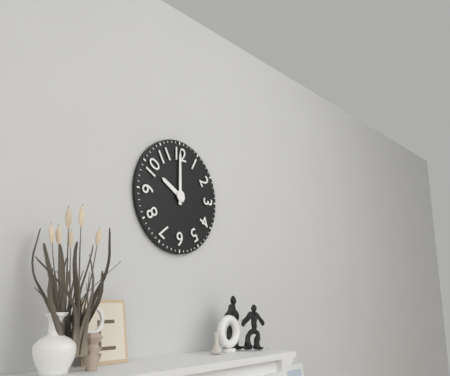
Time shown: **10:00**
